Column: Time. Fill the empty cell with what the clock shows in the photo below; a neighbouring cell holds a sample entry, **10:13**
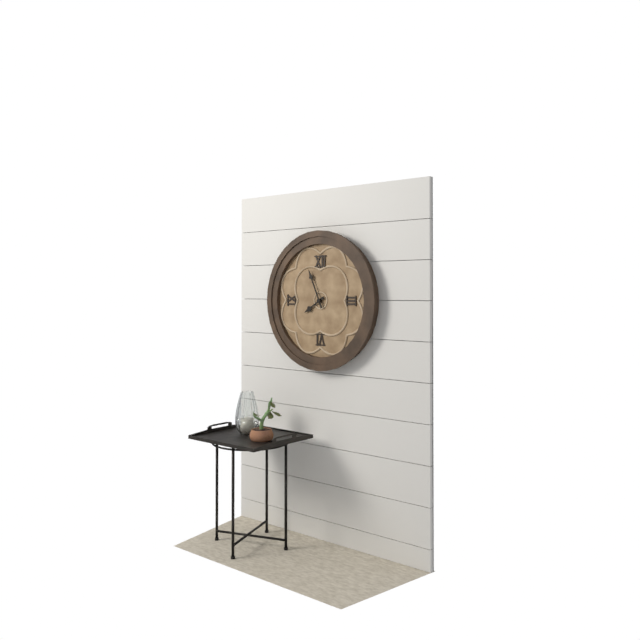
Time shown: **7:56**
